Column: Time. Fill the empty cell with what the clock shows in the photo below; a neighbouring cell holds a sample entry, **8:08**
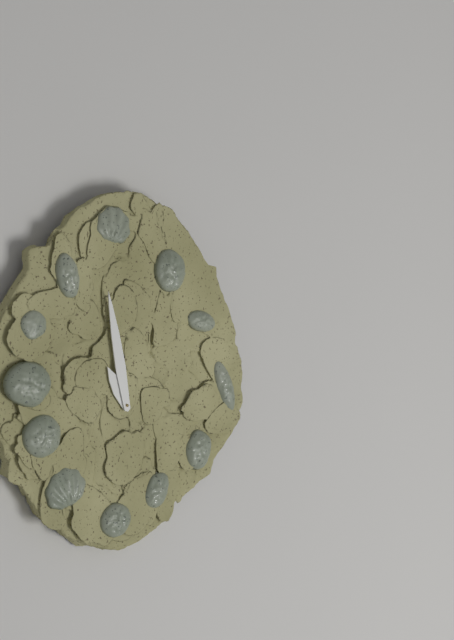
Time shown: **10:58**
